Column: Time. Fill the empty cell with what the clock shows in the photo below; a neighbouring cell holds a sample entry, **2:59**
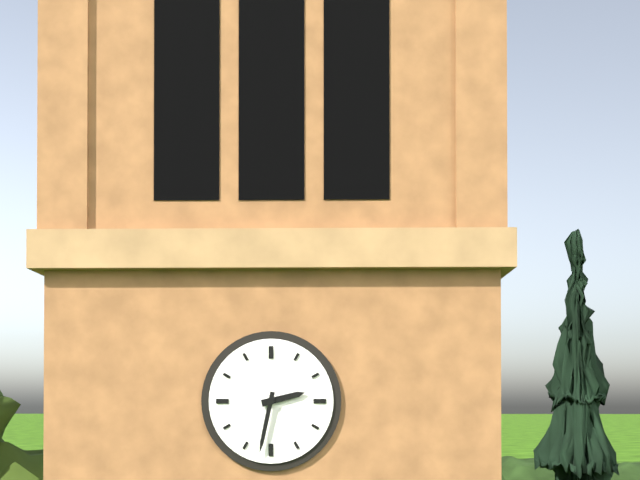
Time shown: **2:32**
